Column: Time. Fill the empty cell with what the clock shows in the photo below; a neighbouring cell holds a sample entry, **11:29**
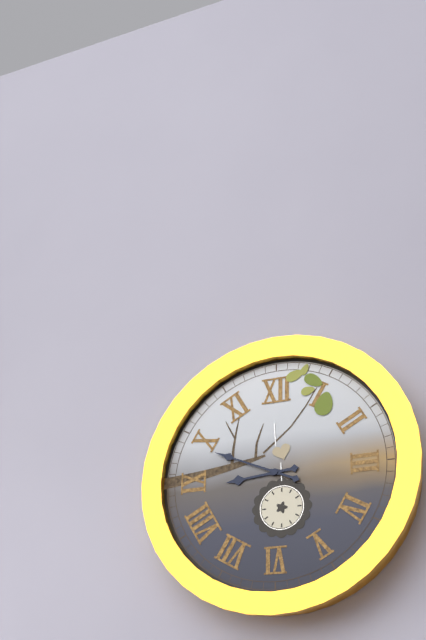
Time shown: **8:49**
